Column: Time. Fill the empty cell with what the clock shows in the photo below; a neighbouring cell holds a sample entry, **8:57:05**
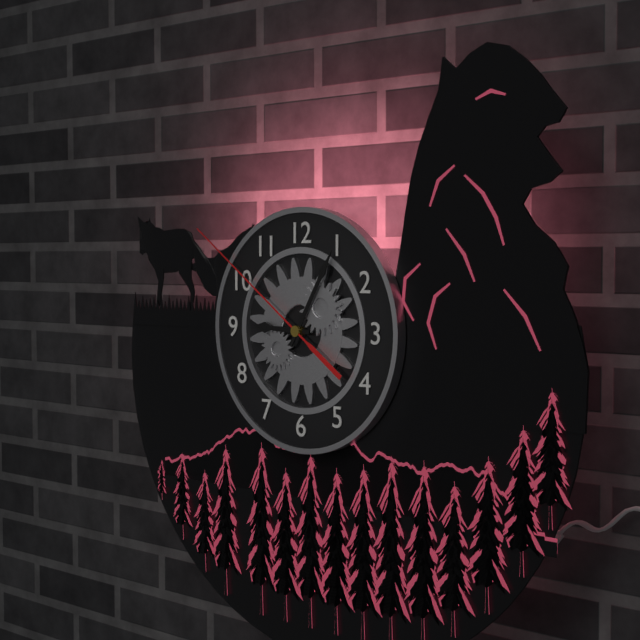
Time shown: **9:05:51**
